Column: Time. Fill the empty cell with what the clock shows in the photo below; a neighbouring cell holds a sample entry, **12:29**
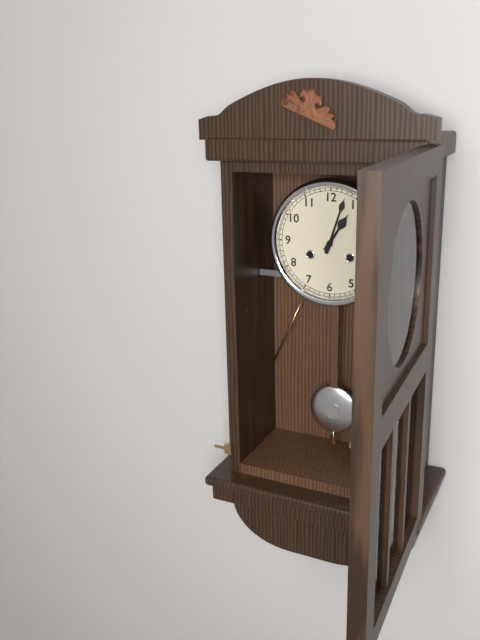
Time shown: **1:03**
